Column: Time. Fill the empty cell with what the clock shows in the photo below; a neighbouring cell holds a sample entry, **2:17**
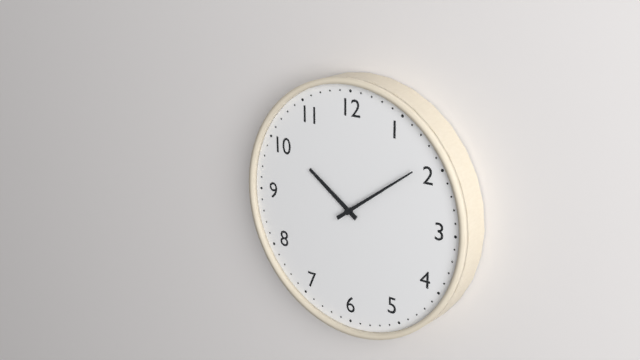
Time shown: **10:09**
